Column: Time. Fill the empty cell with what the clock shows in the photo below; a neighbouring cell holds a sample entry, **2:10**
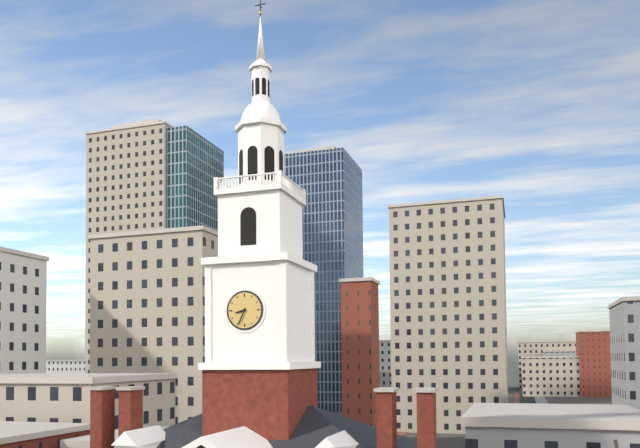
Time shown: **8:34**
